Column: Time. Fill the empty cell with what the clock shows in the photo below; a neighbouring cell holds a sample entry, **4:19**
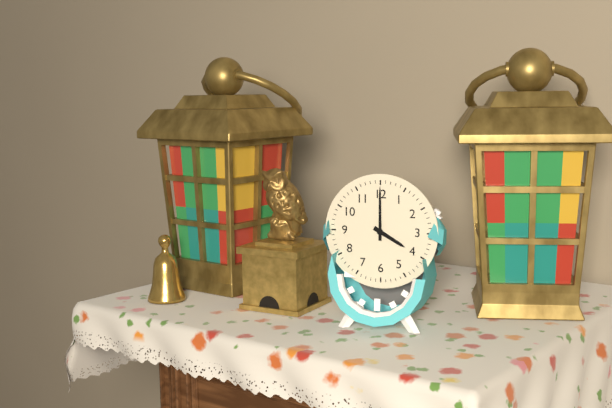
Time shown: **4:00**
